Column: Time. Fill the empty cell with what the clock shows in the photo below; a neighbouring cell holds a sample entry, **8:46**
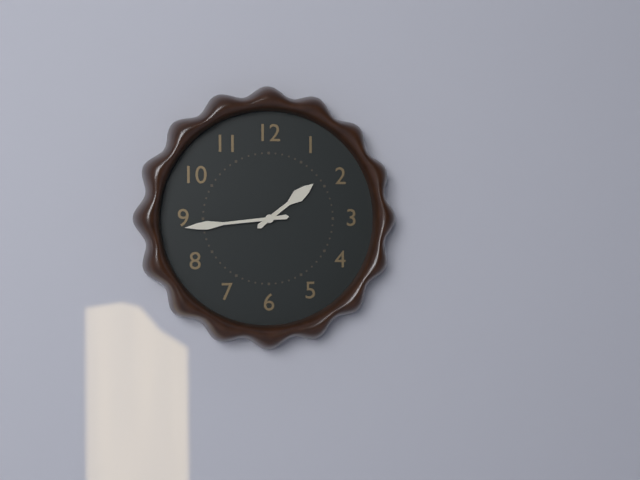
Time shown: **1:44**
